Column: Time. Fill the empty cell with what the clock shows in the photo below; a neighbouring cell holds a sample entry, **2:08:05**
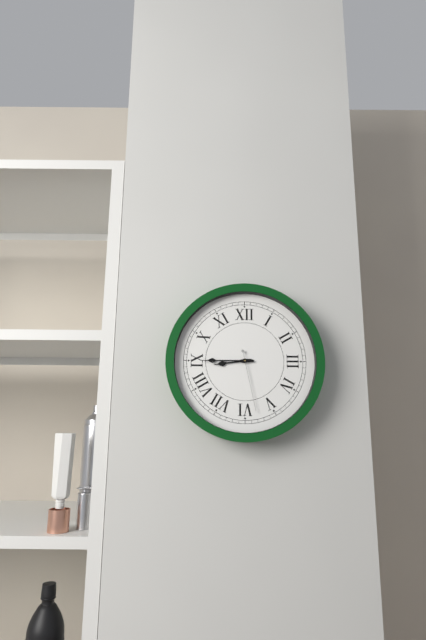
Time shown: **8:45:28**
